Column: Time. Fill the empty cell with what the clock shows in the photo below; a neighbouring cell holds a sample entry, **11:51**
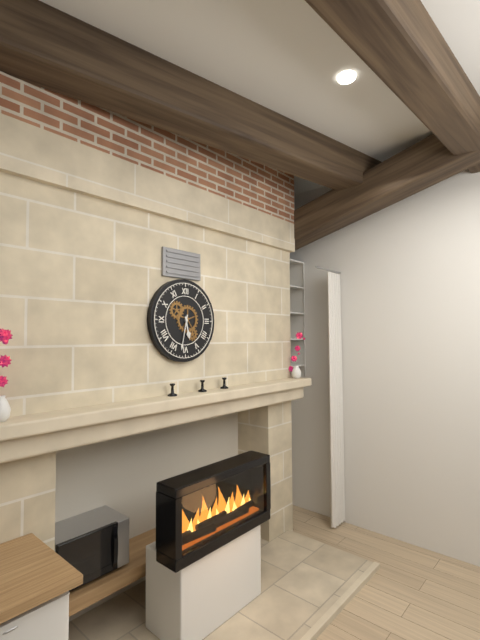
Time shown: **5:32**
